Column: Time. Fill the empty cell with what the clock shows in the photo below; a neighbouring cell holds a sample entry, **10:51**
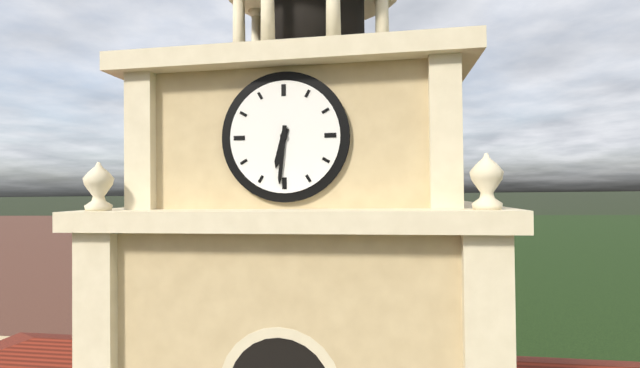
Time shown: **6:31**
